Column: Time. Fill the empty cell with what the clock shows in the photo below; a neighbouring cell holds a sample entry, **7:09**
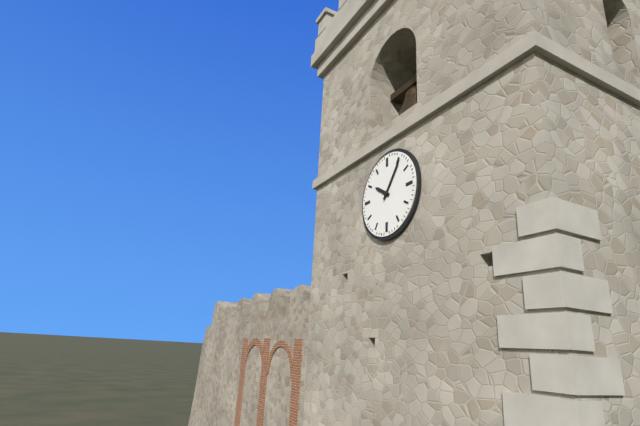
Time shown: **10:06**
